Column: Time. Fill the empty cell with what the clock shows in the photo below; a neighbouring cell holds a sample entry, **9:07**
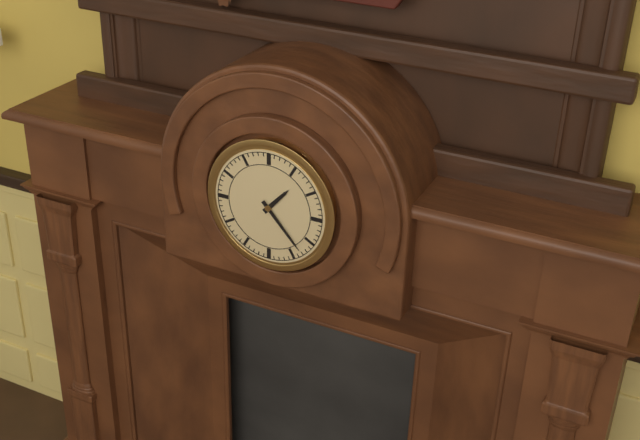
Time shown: **1:23**
